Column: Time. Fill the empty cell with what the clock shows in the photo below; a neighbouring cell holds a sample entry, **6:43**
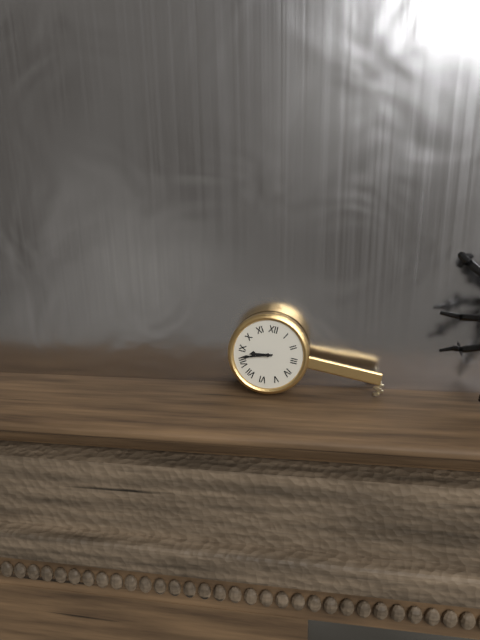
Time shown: **8:42**
